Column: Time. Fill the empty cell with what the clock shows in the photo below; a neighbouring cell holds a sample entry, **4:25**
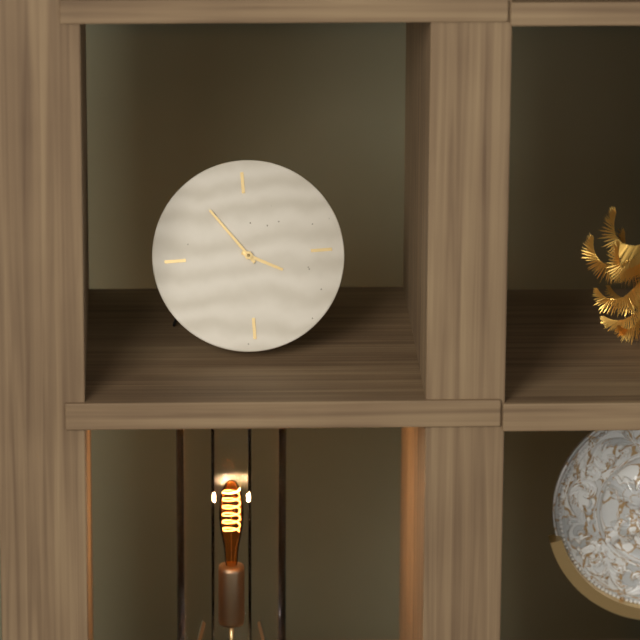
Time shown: **3:54**
